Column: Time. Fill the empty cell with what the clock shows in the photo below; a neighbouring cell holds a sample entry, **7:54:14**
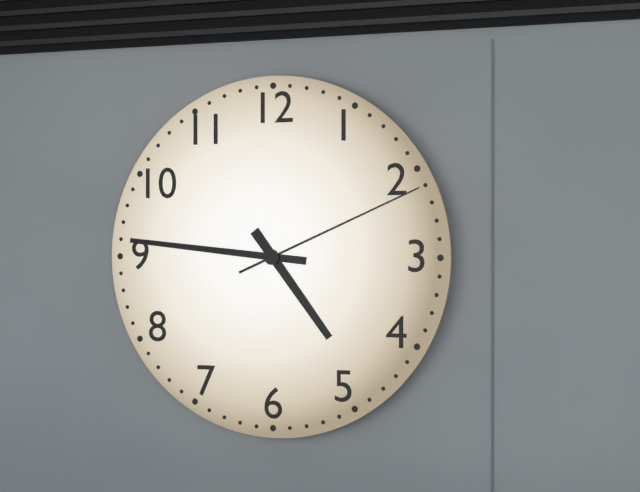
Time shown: **4:46:11**
